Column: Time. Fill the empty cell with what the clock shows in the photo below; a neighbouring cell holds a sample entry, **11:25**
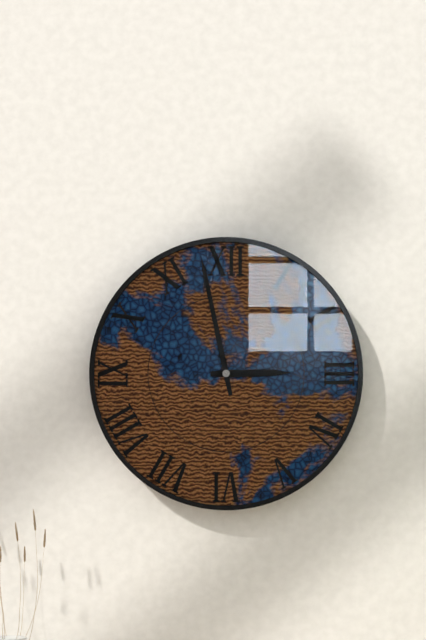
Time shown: **2:58**
